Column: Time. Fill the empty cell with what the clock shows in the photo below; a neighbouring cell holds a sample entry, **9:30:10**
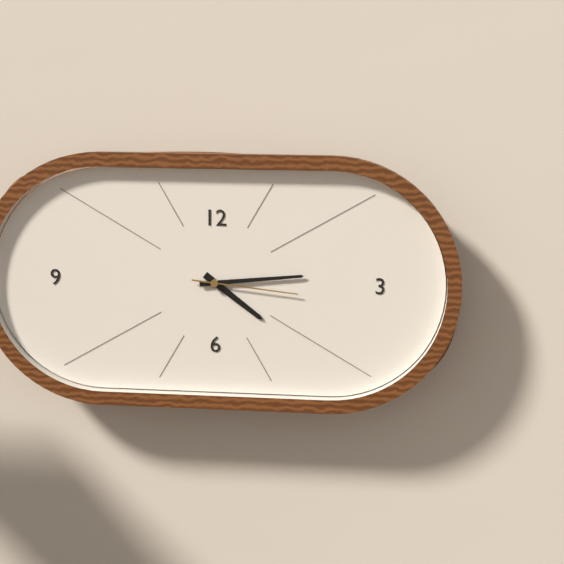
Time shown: **4:14:16**
